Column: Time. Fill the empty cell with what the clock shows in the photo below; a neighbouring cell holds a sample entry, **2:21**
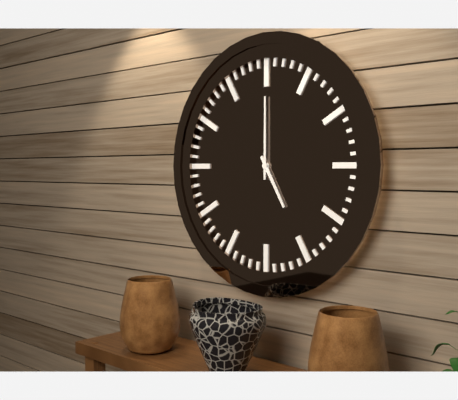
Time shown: **5:00**
